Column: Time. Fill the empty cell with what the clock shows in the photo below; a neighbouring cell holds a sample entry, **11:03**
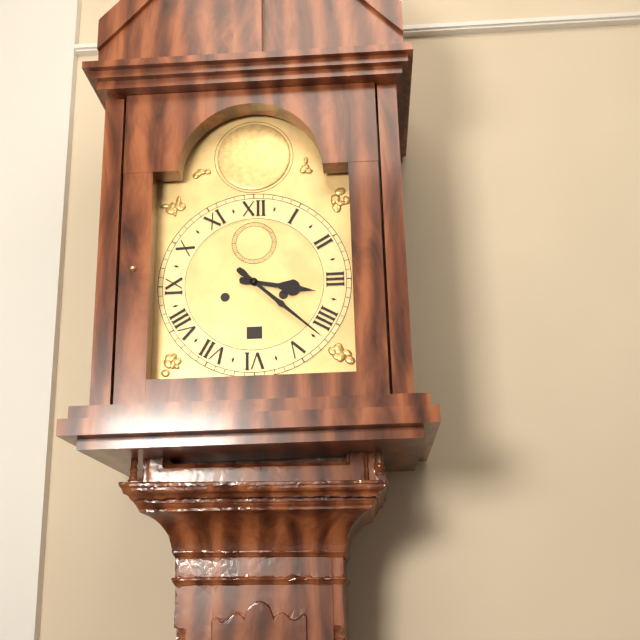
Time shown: **3:22**
